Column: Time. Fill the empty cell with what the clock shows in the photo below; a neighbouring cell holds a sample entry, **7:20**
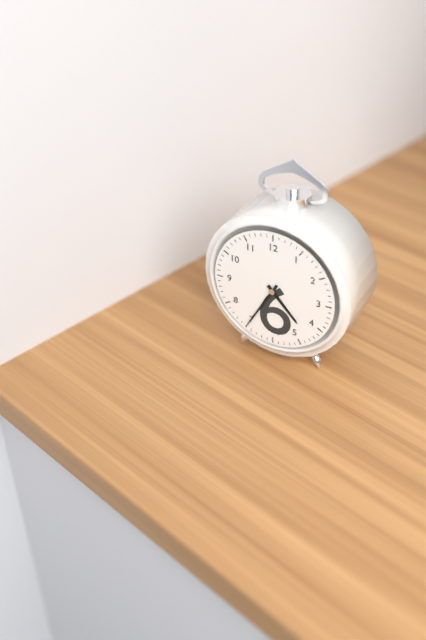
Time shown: **4:35**
